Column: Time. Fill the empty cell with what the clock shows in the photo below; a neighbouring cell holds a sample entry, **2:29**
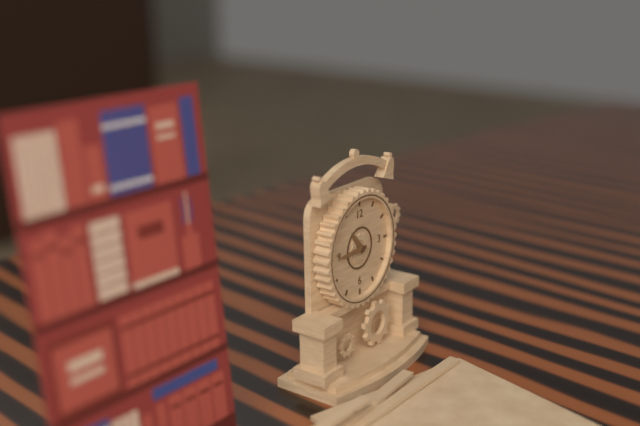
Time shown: **10:45**
